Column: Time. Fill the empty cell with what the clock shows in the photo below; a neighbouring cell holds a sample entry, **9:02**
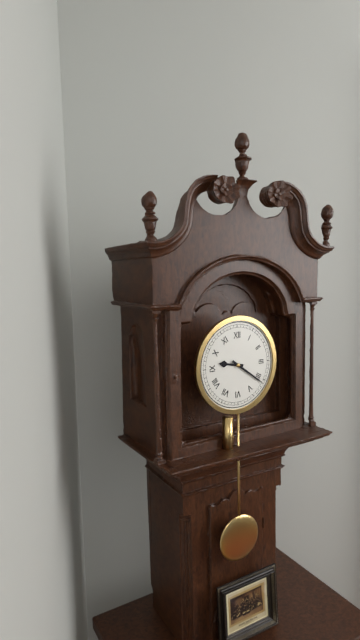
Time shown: **9:21**
